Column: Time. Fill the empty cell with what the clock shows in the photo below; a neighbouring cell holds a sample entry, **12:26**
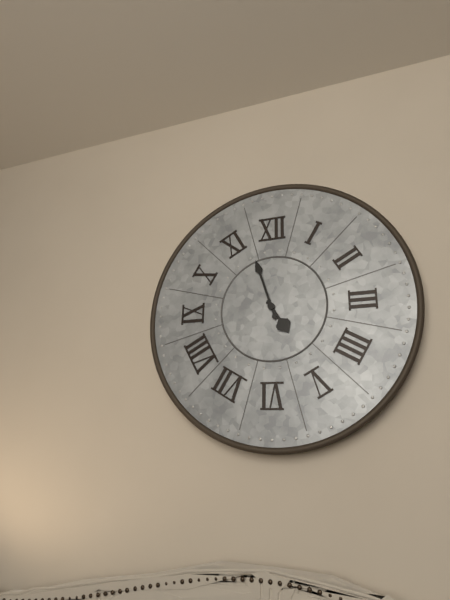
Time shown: **4:57**
